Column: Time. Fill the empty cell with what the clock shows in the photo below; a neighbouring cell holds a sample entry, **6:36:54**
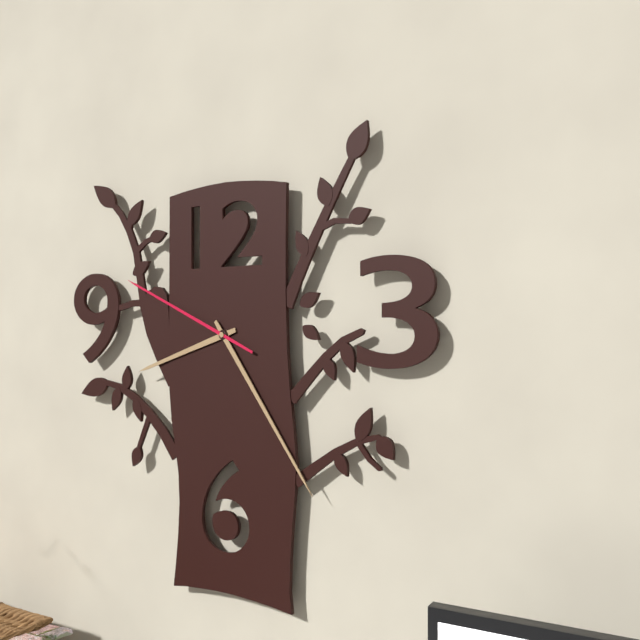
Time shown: **8:24:49**
